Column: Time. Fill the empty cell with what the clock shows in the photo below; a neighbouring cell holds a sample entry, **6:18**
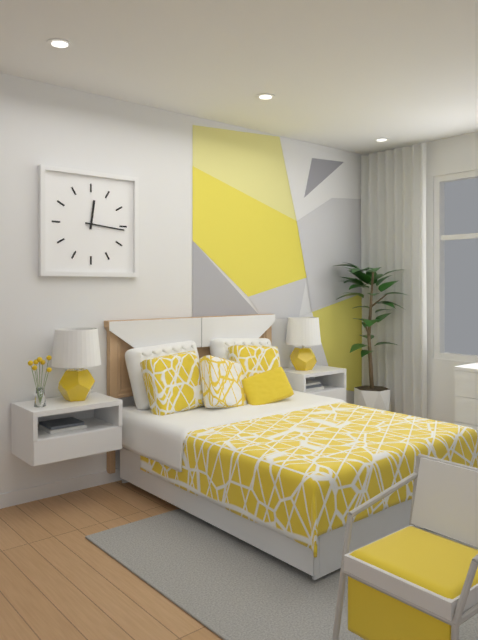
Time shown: **12:16**
